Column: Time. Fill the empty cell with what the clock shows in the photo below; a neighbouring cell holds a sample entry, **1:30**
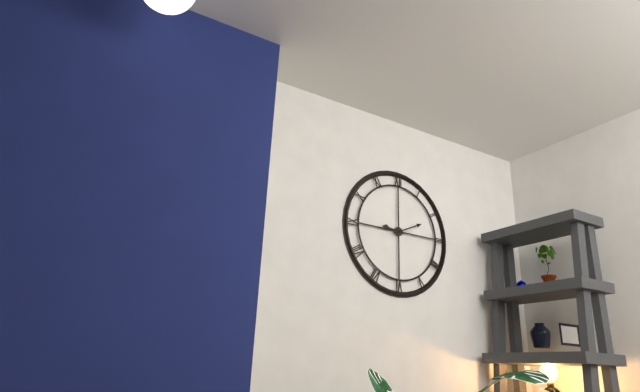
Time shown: **9:11**
